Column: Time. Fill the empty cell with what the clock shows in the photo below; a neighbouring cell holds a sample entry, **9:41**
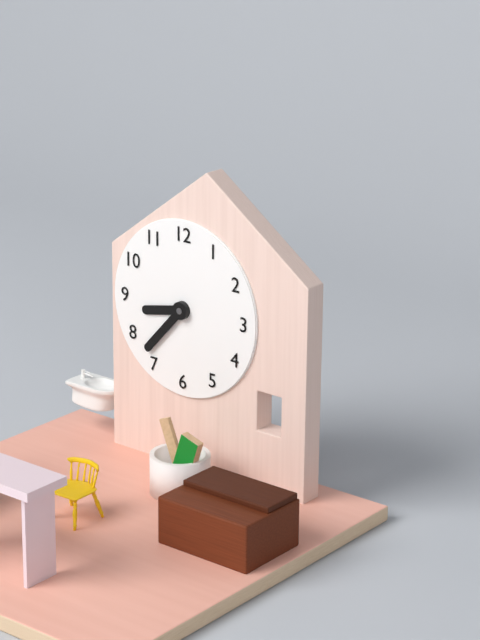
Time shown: **8:37**
